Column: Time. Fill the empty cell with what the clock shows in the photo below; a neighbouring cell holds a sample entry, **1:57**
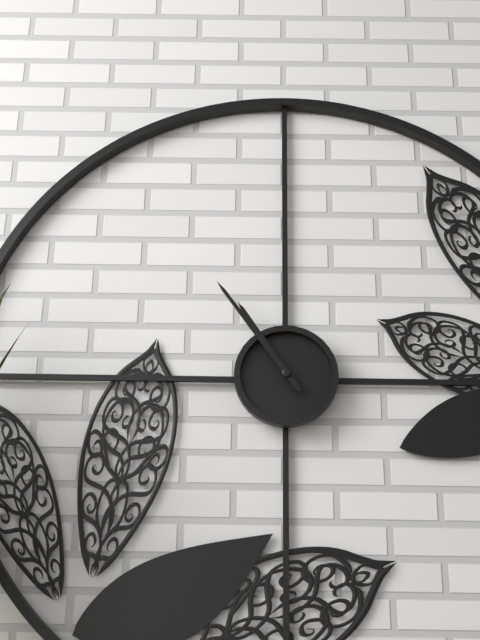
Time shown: **10:54**
